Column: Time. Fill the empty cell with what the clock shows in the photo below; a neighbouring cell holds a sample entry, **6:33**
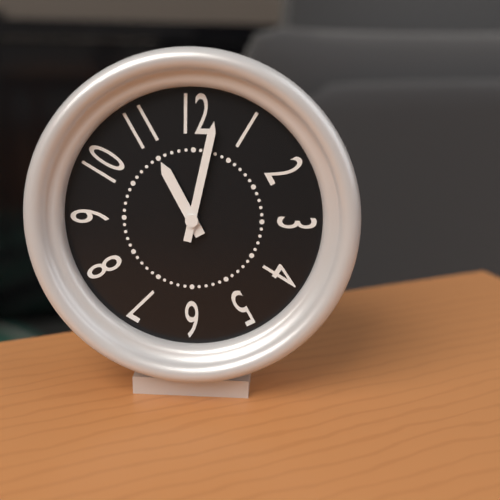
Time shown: **11:02**
